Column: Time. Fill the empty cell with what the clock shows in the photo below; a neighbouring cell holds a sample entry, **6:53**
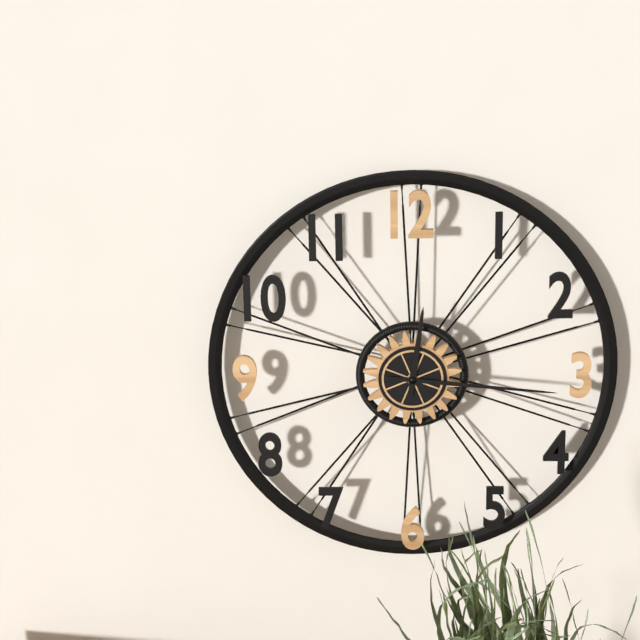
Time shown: **12:16**
